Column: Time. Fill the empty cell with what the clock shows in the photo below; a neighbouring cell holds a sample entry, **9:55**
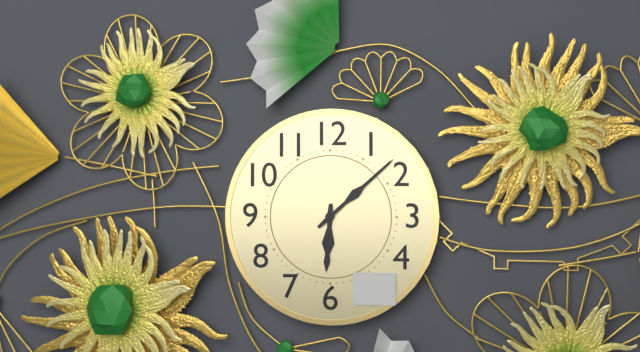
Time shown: **6:08**
